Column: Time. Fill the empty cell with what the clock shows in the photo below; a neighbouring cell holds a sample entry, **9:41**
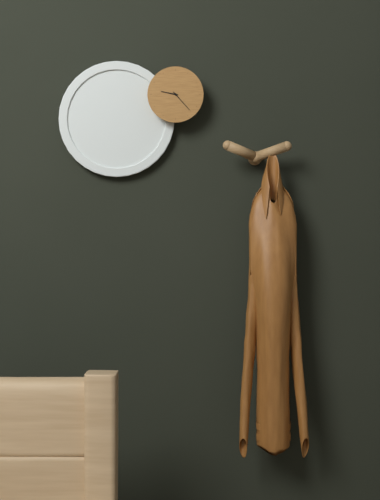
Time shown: **9:23**
